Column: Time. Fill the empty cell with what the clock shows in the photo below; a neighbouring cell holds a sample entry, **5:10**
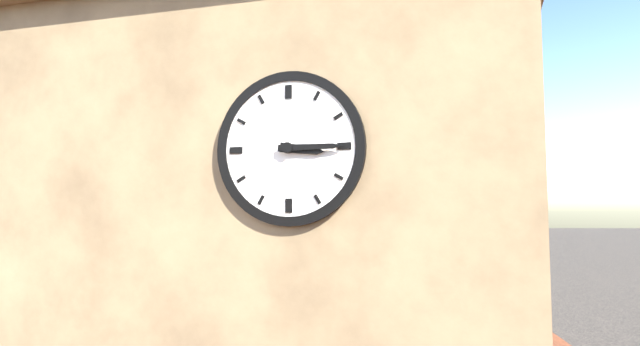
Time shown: **3:15**
